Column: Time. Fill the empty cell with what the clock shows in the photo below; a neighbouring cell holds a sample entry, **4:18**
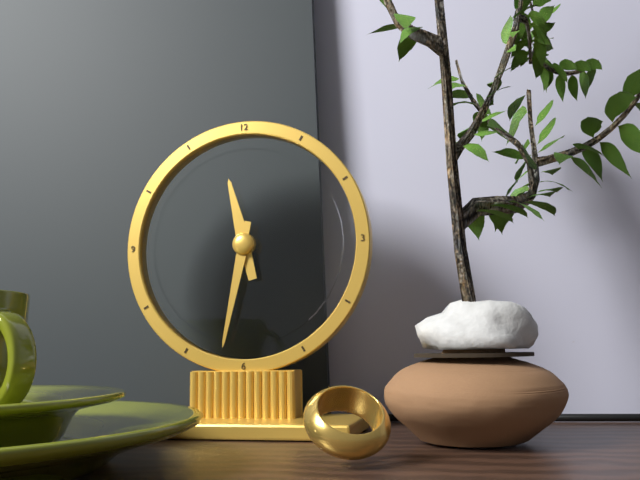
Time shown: **11:32**
